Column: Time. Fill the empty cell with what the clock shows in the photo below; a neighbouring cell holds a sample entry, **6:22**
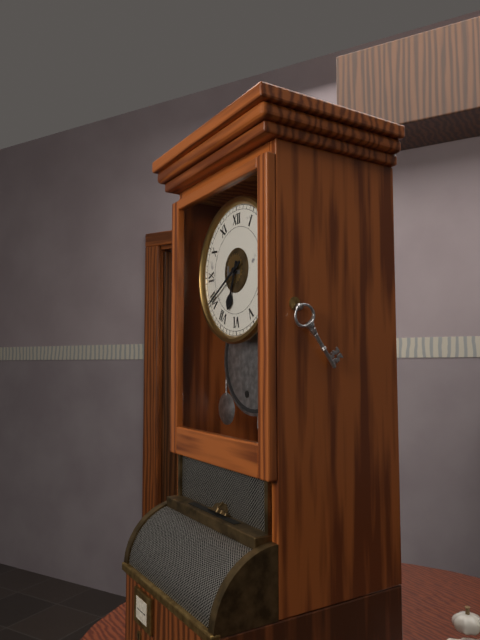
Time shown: **6:40**
